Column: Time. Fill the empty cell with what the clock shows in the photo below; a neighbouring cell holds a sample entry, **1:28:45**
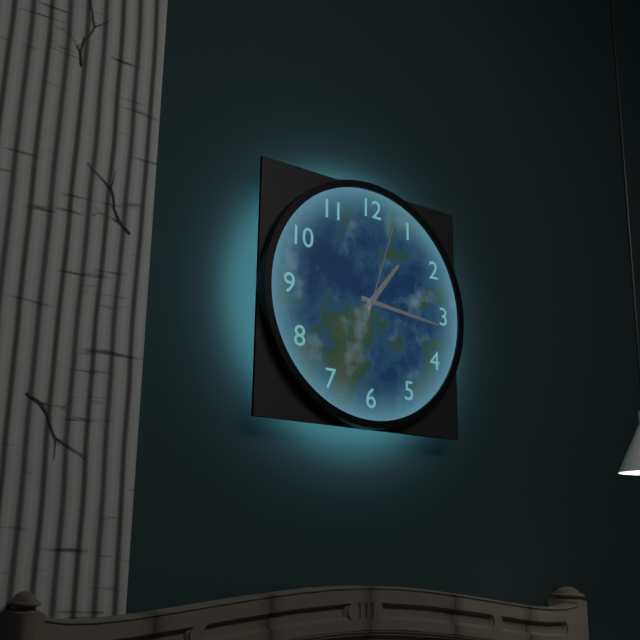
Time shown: **1:16:03**
